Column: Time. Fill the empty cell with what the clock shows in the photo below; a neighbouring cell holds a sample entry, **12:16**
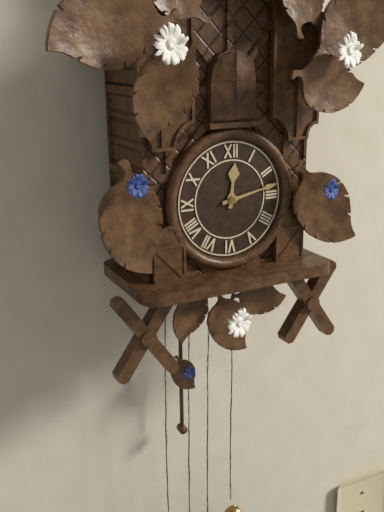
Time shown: **12:13**
